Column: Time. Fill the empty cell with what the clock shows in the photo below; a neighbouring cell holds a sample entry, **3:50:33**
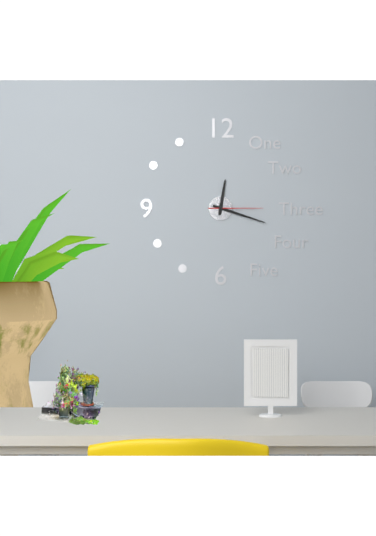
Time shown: **12:18:15**
